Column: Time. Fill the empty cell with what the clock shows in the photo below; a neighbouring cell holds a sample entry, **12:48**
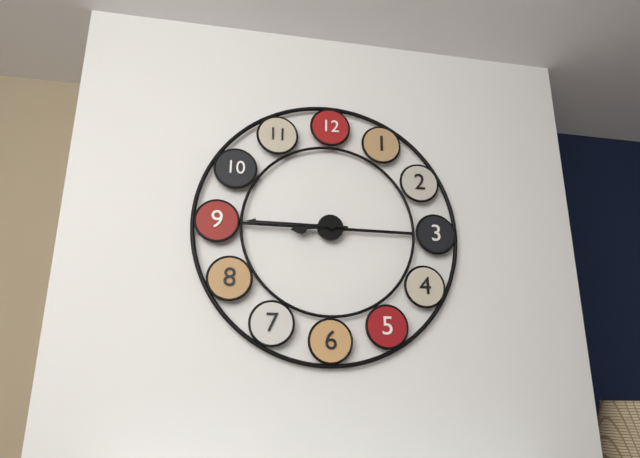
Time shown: **8:45**
